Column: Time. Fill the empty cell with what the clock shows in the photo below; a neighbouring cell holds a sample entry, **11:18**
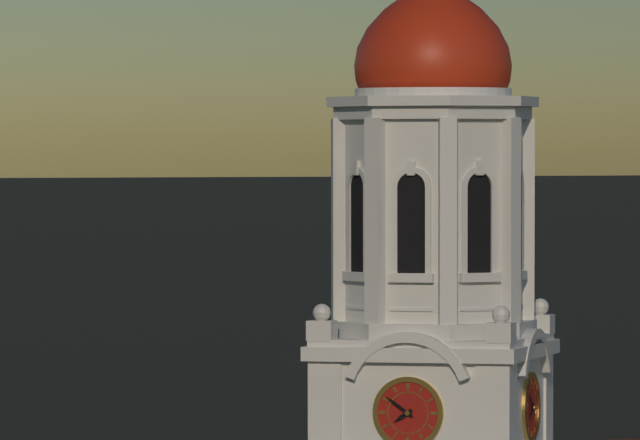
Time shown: **7:51**
